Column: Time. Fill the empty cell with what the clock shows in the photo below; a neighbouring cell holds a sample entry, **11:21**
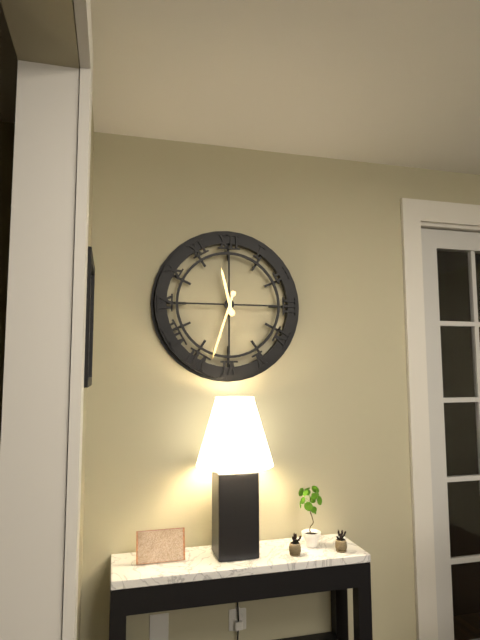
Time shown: **11:33**
